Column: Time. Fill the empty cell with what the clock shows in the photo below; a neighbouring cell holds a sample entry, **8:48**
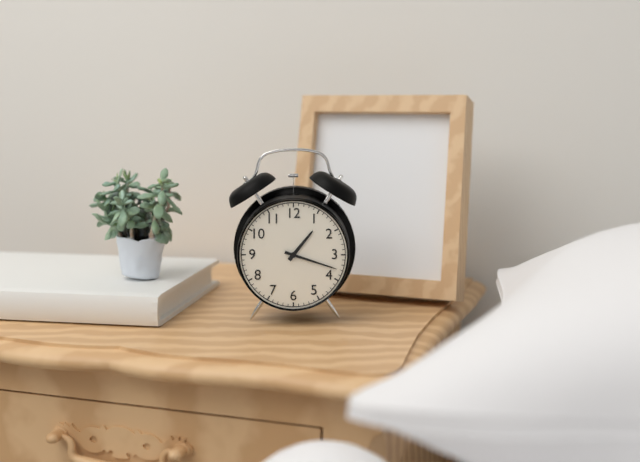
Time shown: **1:18**
